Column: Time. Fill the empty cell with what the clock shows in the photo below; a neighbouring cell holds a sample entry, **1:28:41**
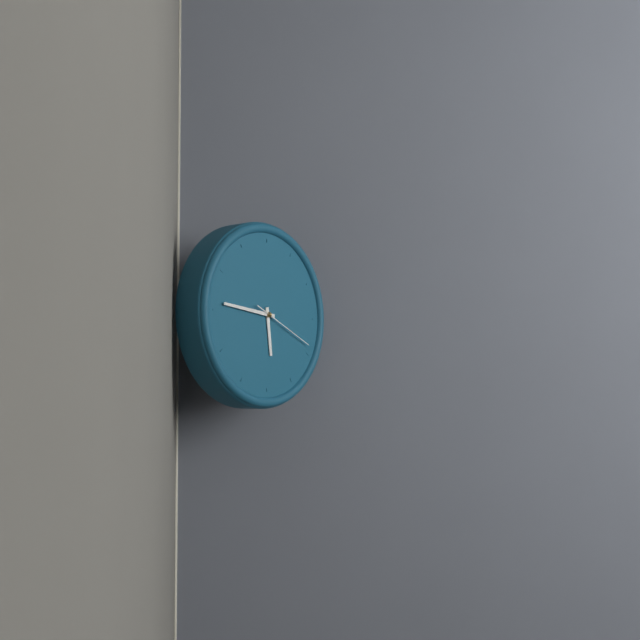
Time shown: **5:46:19**
